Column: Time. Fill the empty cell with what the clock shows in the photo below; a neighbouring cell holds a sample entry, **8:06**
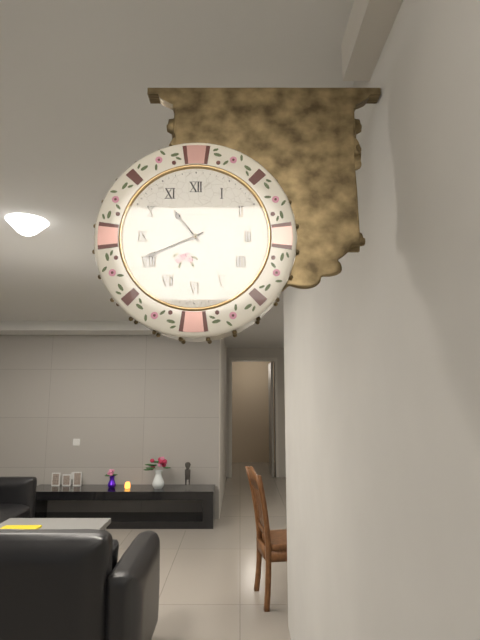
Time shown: **10:41**
